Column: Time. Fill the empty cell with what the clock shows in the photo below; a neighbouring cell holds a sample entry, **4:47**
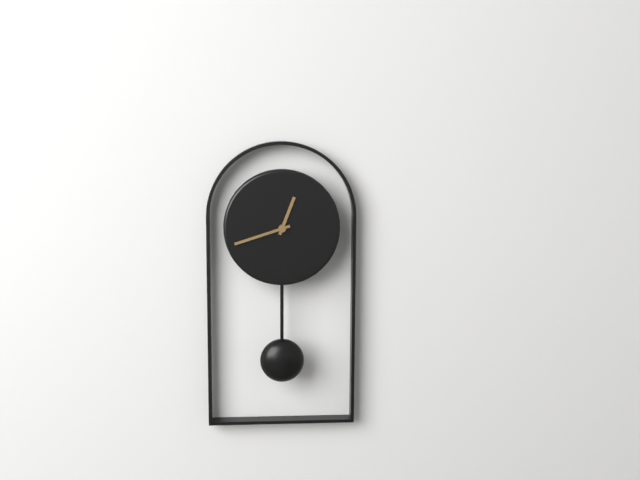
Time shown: **12:42**
